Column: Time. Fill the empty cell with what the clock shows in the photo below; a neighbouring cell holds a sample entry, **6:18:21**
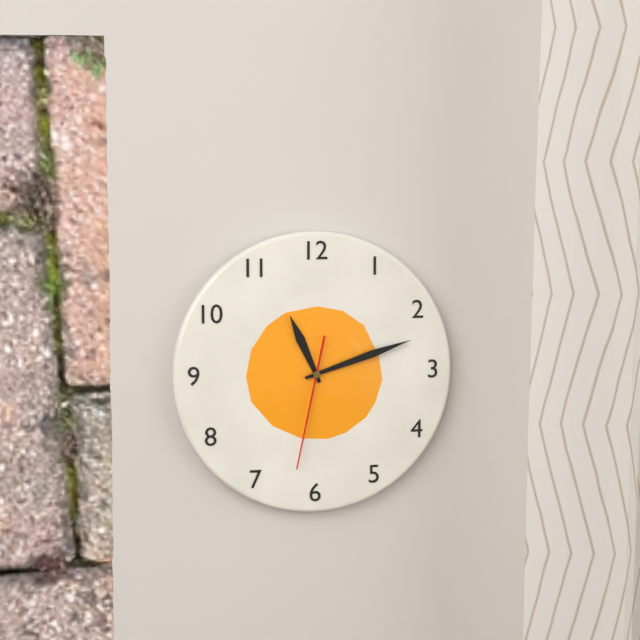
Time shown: **11:12:32**
